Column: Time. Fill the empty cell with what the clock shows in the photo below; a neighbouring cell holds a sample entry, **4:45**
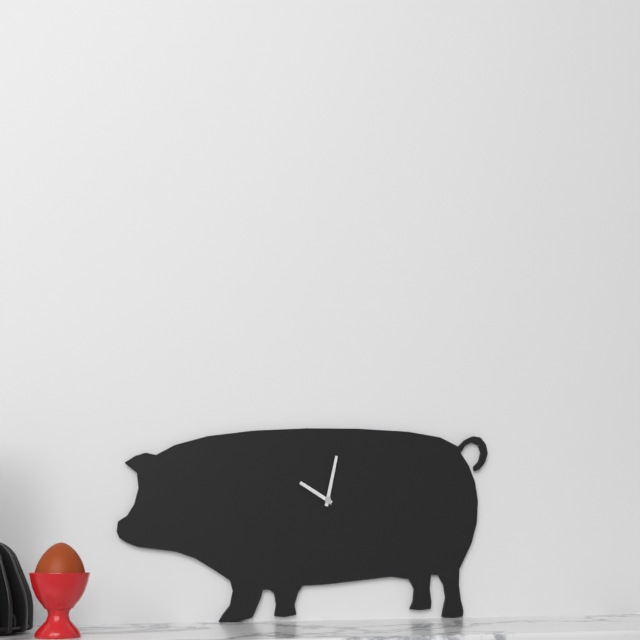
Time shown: **10:02**
